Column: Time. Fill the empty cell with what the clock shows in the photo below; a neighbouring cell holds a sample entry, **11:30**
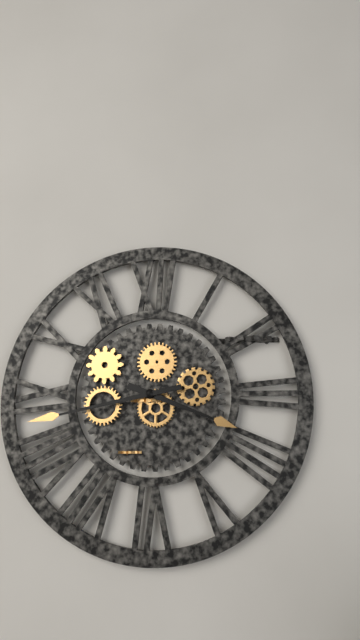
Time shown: **3:43**
